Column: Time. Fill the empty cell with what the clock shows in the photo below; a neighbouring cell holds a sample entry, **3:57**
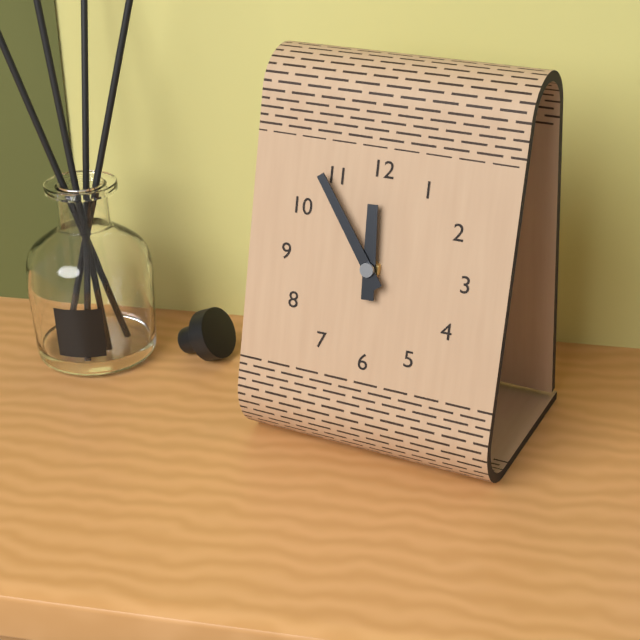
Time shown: **11:54**
